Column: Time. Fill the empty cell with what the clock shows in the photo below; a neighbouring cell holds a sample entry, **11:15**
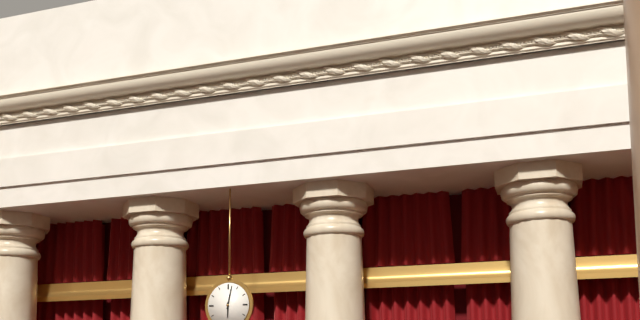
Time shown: **6:02**
